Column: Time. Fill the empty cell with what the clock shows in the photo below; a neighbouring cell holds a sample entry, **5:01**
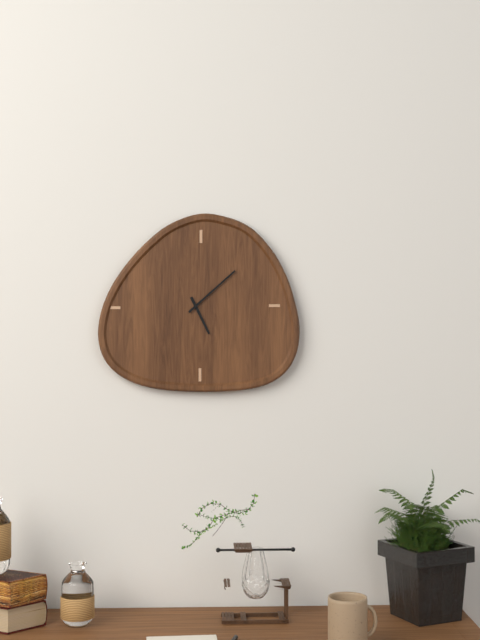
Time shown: **5:08**
